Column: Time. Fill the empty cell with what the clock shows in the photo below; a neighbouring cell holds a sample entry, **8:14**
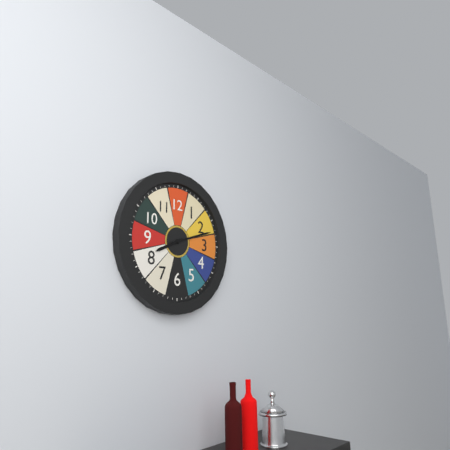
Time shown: **8:12**
